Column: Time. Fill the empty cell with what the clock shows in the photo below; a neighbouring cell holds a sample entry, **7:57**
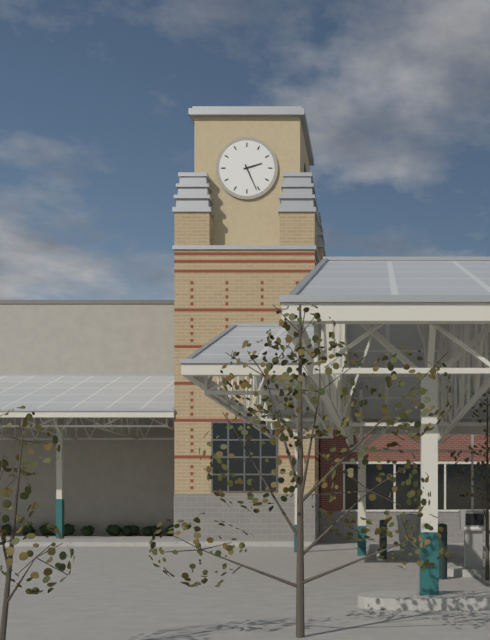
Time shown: **2:26**
